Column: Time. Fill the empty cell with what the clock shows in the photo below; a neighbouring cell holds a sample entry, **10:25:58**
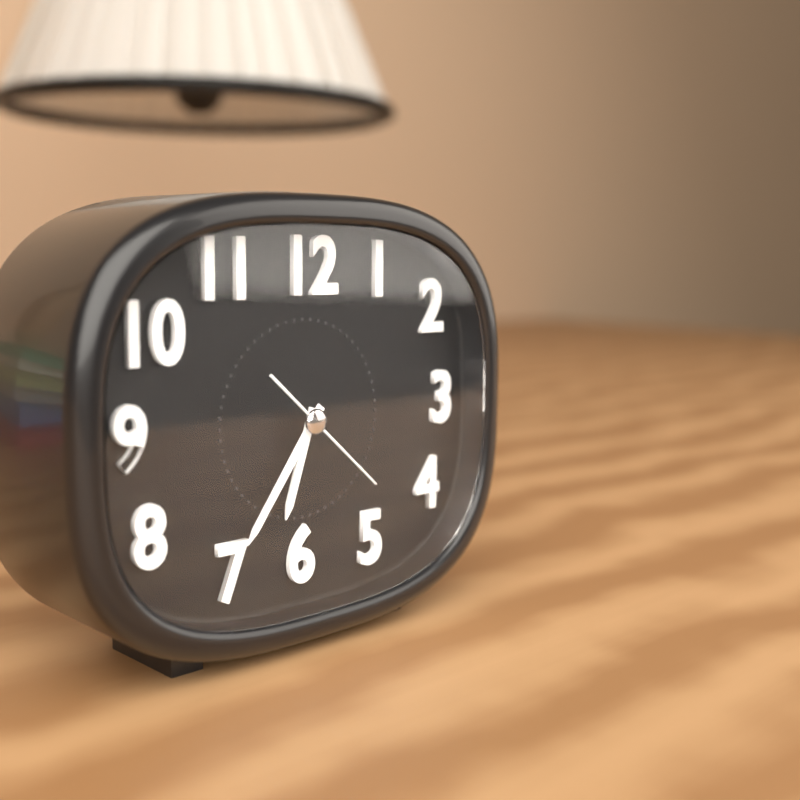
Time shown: **6:36:22**
